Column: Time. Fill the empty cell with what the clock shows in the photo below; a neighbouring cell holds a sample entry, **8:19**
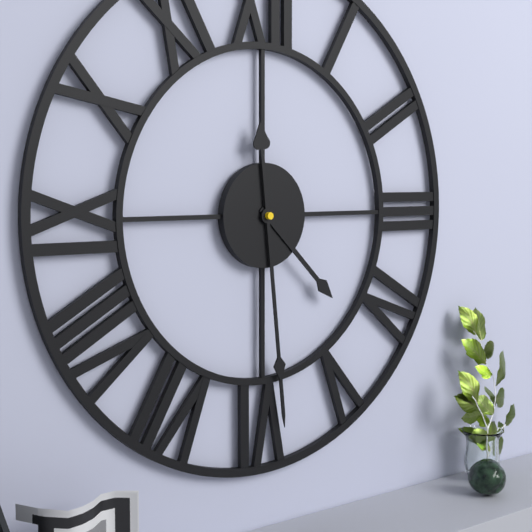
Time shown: **4:29**
